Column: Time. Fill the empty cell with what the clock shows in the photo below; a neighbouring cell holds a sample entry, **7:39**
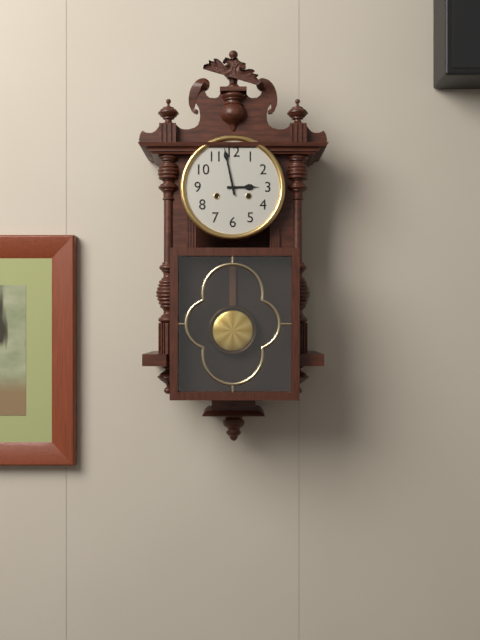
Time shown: **2:58**
